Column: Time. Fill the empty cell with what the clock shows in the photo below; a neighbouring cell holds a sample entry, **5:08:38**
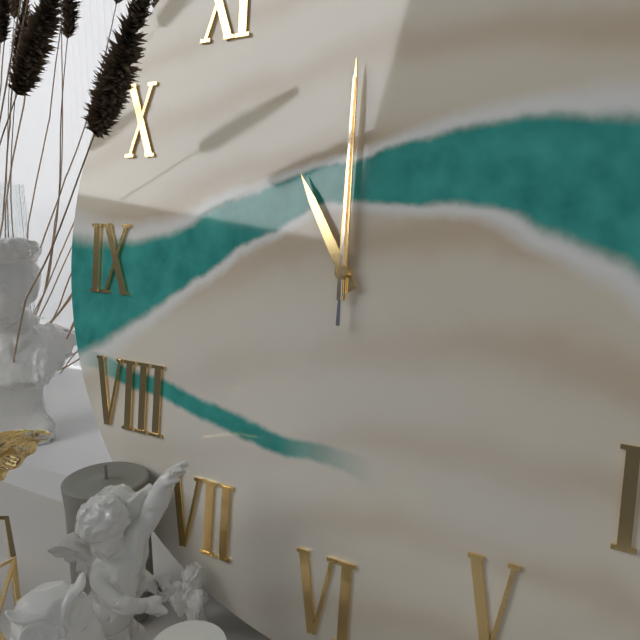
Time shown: **11:00:00**
